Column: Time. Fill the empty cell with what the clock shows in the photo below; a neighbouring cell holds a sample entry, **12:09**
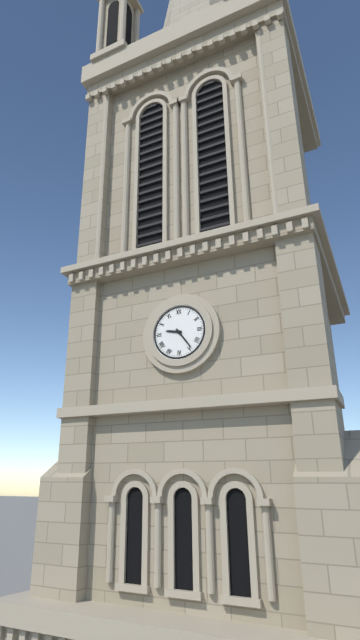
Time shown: **9:24**
